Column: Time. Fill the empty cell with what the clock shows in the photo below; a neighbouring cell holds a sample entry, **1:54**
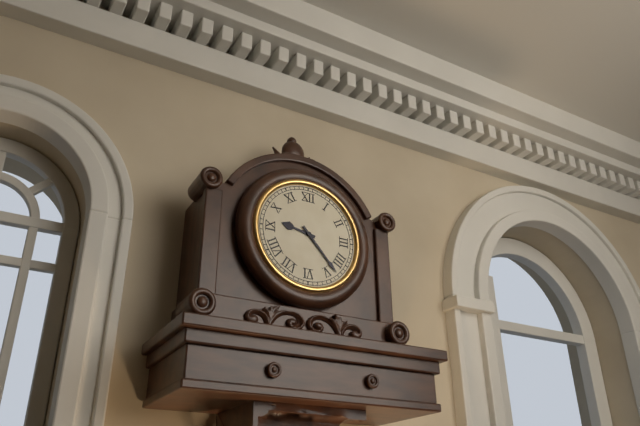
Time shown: **9:23**
